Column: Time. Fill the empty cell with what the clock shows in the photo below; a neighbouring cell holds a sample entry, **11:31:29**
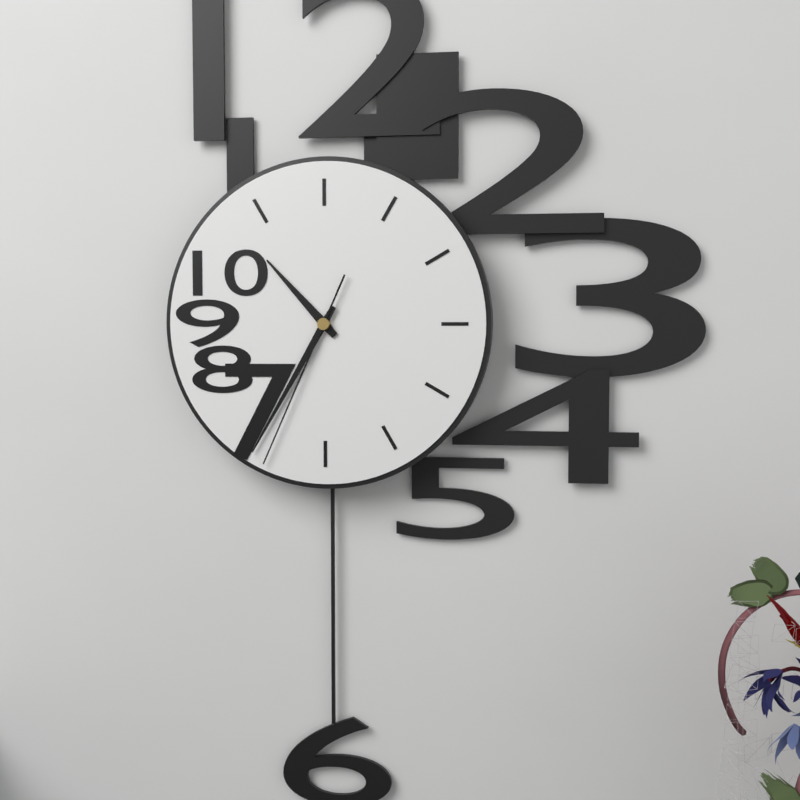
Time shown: **10:35:34**
